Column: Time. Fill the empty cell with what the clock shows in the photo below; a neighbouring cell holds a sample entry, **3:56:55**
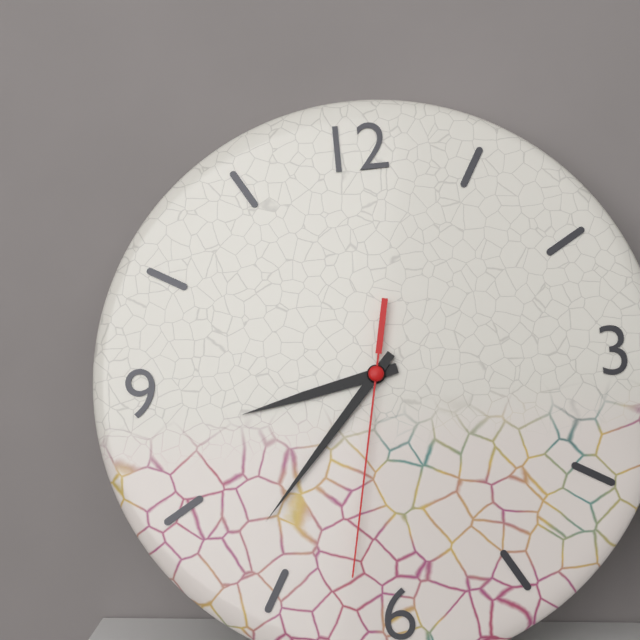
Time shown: **8:37:32**
